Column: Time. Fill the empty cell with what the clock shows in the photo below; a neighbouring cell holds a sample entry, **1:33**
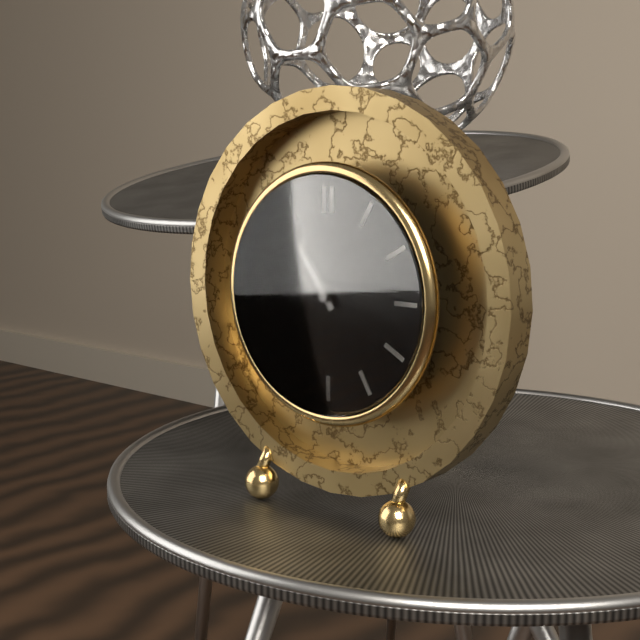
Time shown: **10:54**
